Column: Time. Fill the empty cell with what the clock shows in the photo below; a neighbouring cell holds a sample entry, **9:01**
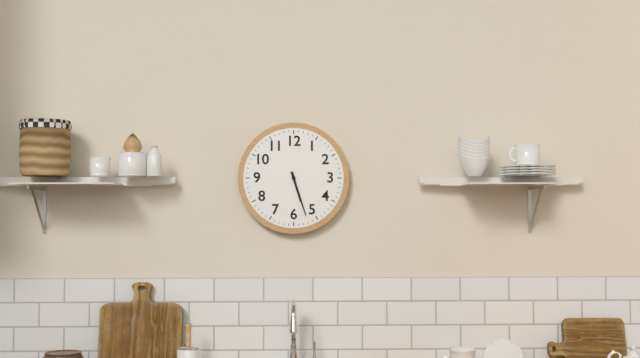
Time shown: **5:27**
